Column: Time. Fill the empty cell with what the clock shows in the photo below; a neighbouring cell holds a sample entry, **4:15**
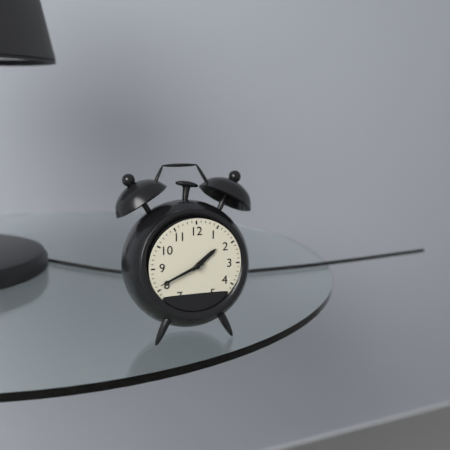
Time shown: **1:41**
